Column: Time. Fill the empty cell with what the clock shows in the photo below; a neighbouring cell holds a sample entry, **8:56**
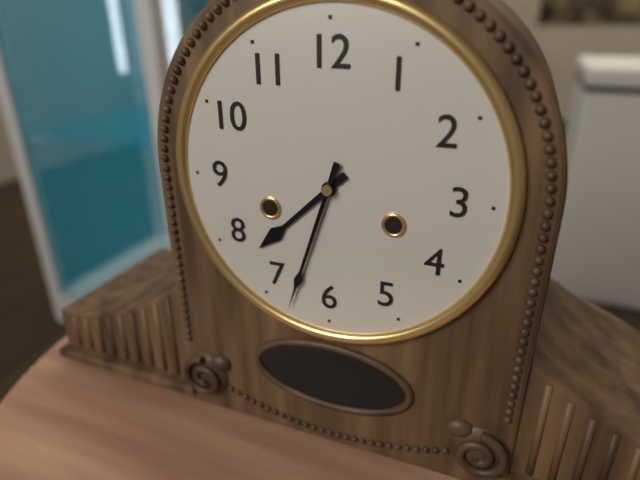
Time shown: **7:33**
